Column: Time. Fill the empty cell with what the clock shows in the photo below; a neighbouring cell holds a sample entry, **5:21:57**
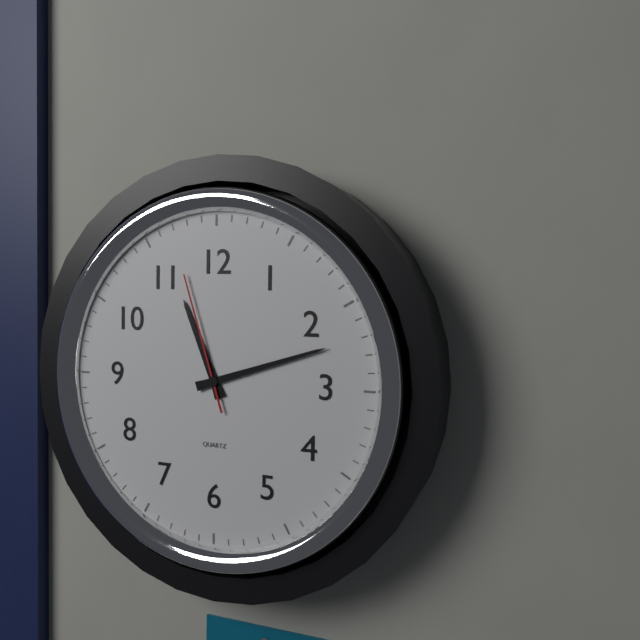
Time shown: **11:12:57**
